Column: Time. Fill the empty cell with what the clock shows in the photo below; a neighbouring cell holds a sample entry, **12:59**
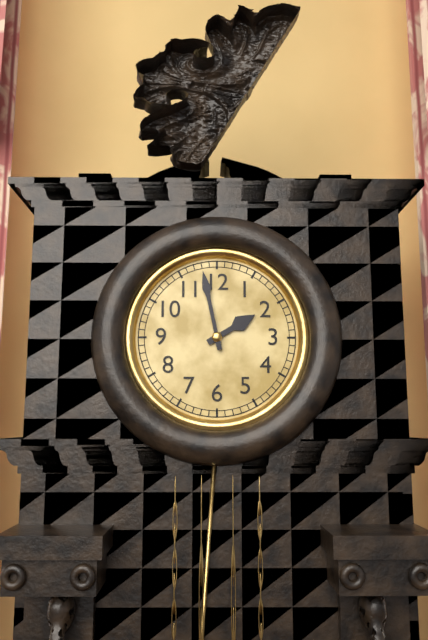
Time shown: **1:58**
